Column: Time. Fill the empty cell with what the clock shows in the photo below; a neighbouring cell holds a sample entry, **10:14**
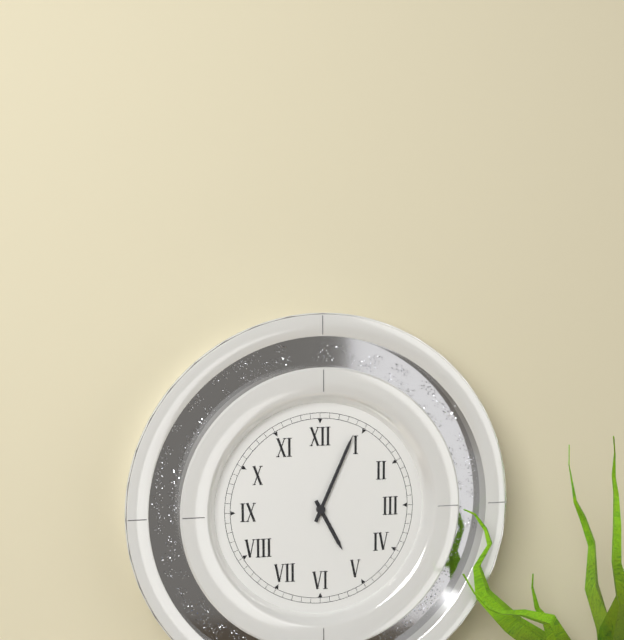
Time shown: **5:04**
